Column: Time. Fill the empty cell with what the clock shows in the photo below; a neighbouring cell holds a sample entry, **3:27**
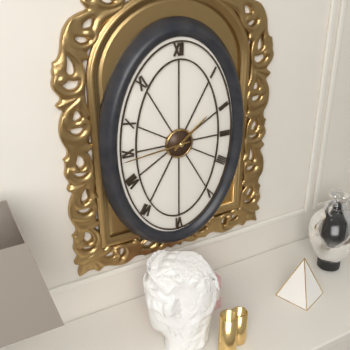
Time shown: **1:44**
